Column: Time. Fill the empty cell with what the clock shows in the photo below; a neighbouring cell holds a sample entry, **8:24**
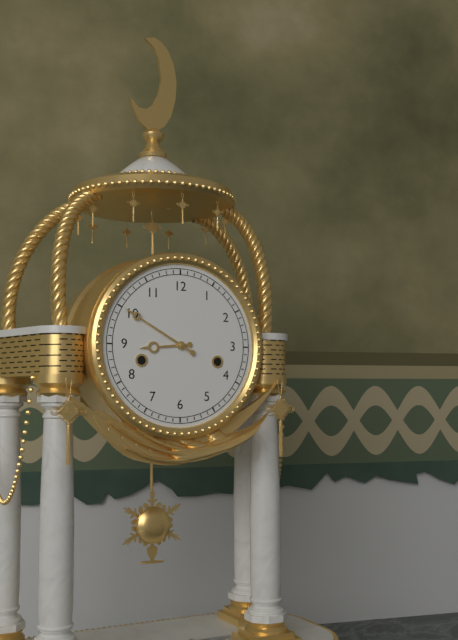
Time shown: **8:50**
